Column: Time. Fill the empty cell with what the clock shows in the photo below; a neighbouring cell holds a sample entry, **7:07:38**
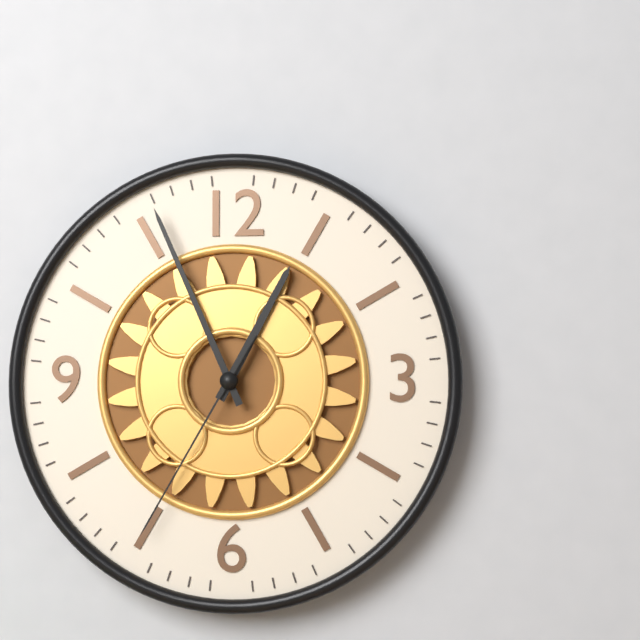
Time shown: **12:56:35**
